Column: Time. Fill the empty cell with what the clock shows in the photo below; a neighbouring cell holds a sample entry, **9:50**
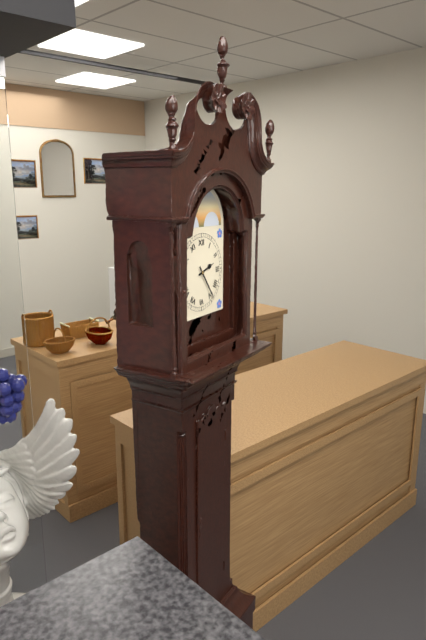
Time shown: **2:24**
